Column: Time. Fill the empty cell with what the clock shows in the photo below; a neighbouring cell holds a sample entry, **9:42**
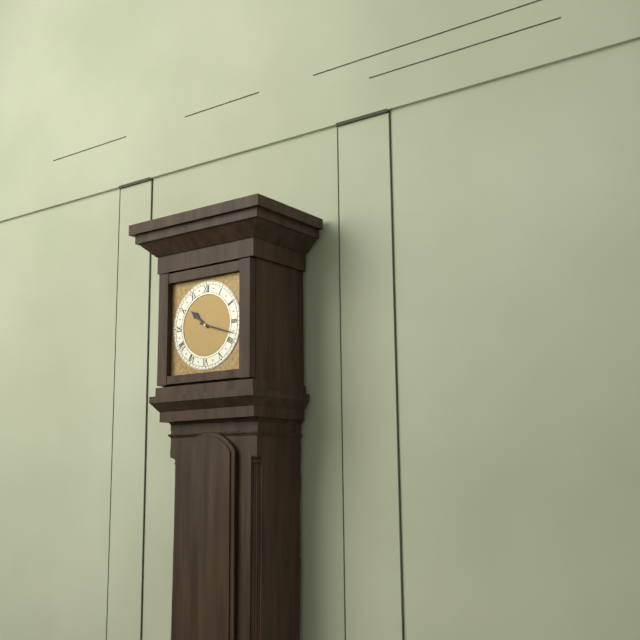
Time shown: **10:18**
